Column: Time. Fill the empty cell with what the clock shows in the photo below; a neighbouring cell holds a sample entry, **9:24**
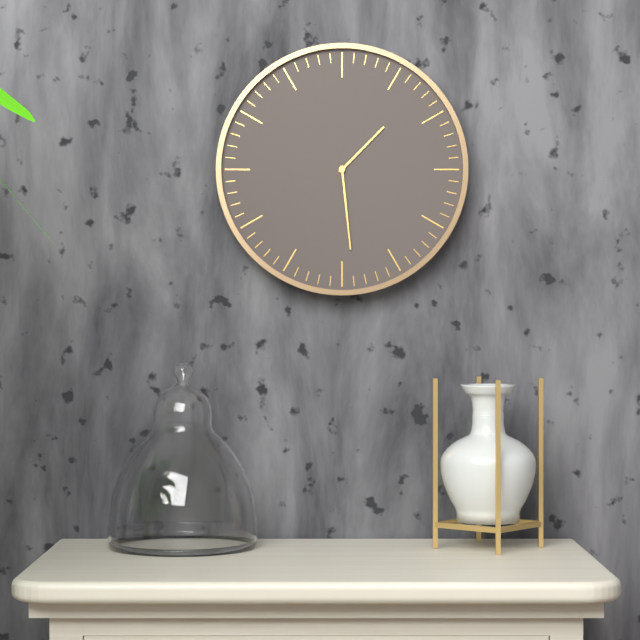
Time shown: **1:29**
